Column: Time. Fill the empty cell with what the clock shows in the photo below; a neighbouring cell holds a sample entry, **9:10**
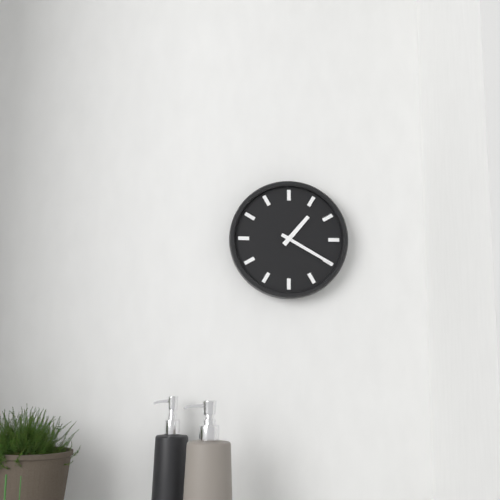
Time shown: **1:20**
